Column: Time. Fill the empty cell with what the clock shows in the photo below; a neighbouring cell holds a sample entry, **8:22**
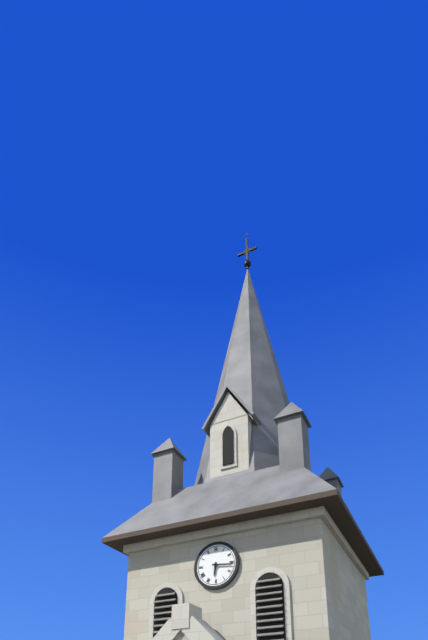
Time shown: **6:16**
